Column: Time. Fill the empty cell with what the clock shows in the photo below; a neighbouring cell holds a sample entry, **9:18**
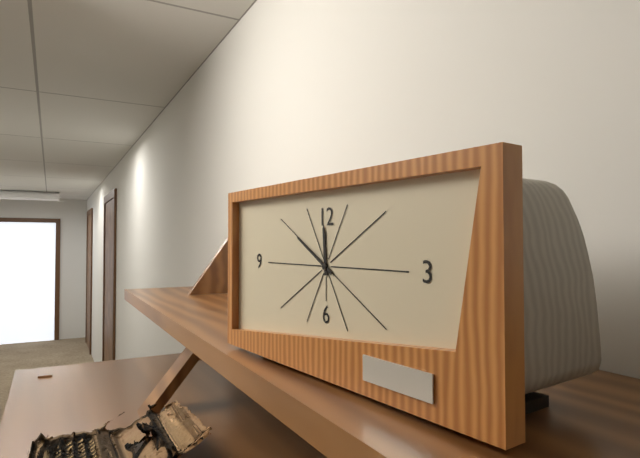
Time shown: **11:50**
